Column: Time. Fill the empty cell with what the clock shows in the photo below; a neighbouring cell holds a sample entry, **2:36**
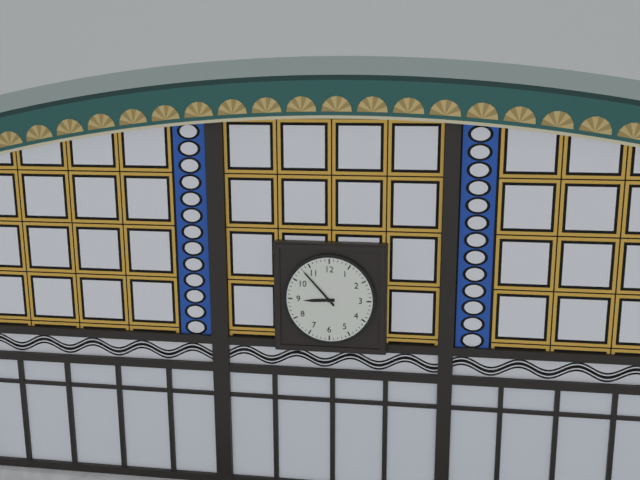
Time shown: **8:53**
